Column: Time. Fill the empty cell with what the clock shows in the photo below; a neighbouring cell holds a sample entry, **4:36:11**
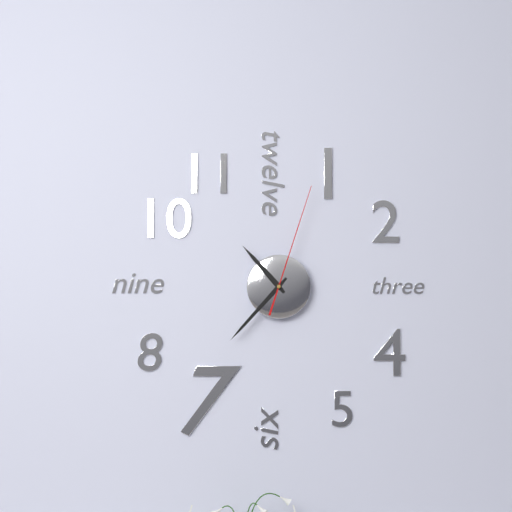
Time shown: **10:37:03**
